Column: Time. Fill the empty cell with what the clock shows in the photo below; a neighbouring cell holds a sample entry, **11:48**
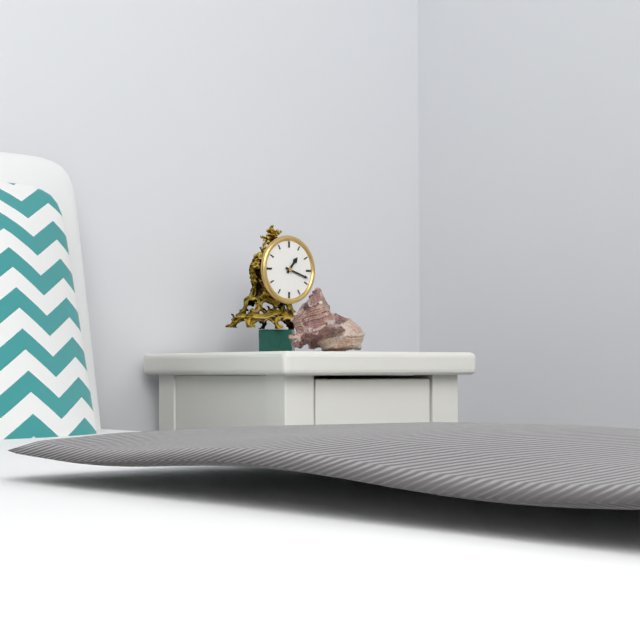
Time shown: **1:18**
